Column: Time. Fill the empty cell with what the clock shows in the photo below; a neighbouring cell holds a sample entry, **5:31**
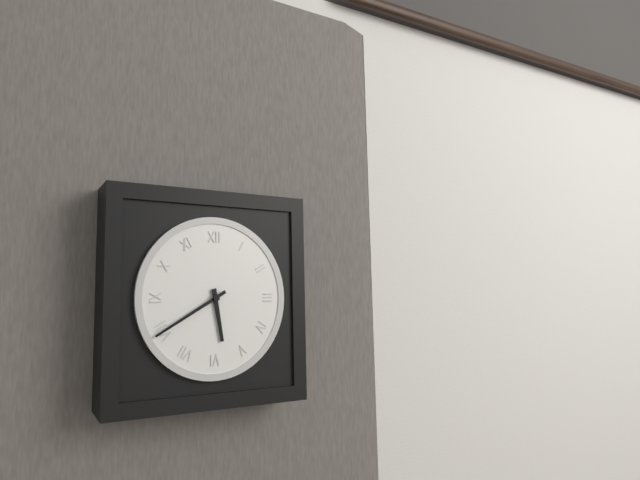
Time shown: **5:40**
